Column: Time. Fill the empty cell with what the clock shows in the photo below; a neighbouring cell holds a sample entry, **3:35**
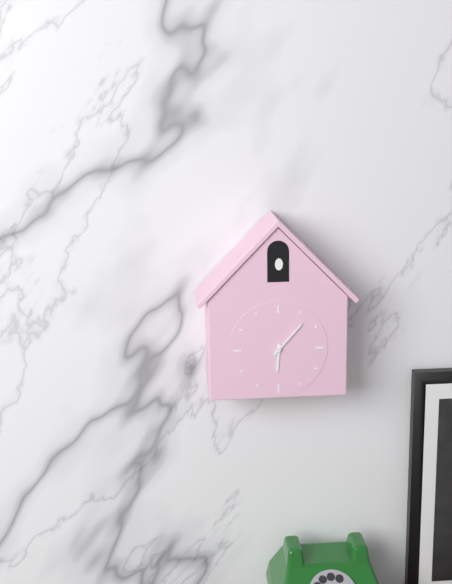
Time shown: **6:07**
